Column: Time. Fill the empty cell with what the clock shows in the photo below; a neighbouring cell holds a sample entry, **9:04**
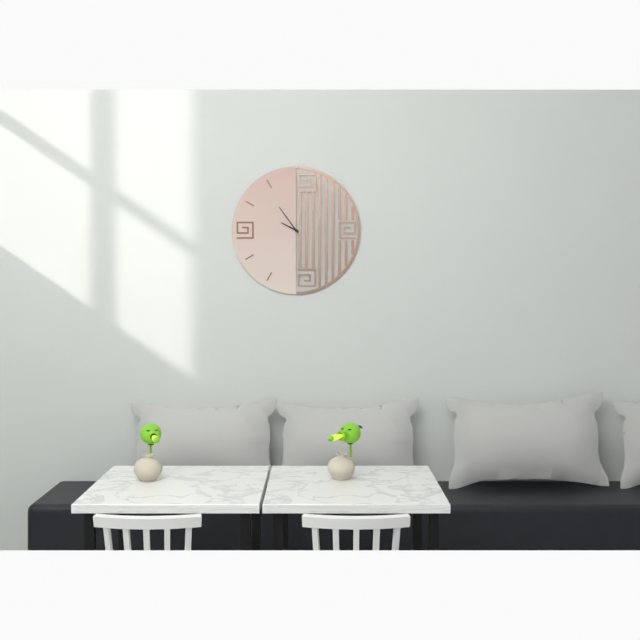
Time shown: **9:54**
